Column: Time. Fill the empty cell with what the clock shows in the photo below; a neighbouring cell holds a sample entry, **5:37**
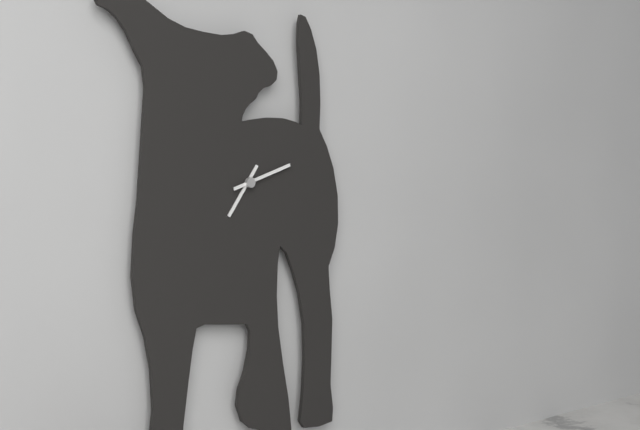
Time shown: **7:12**
